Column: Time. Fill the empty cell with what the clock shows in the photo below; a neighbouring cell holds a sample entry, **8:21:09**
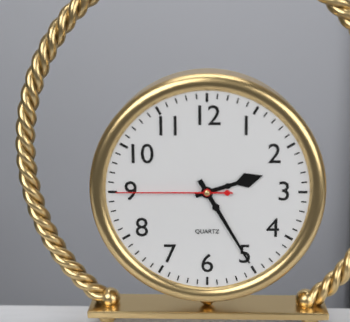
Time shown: **2:25:45**
